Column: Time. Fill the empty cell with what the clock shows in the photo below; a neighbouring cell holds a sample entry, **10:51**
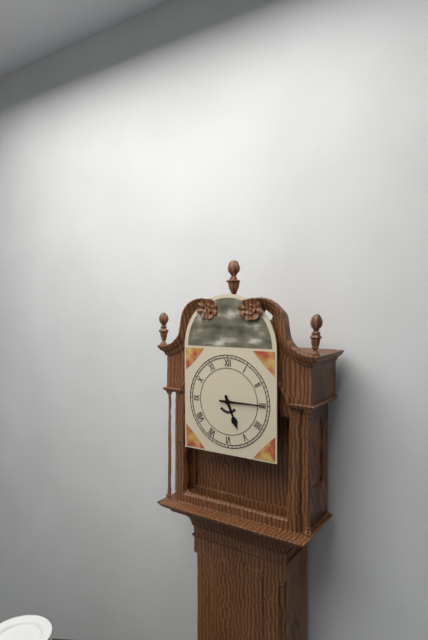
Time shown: **5:15**
